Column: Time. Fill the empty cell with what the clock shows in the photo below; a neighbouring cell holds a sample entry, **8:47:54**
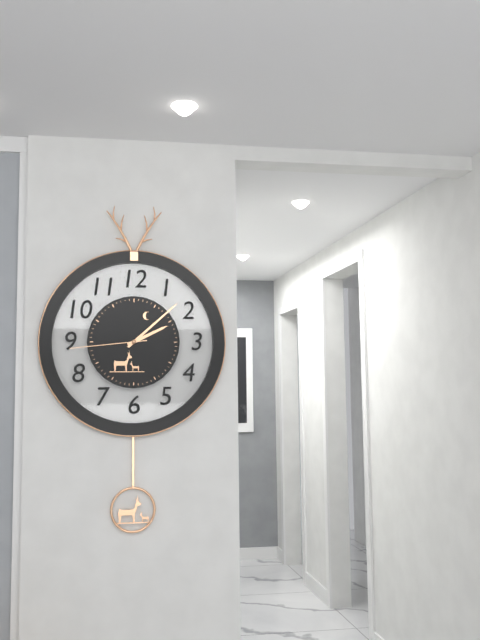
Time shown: **2:08:44**
